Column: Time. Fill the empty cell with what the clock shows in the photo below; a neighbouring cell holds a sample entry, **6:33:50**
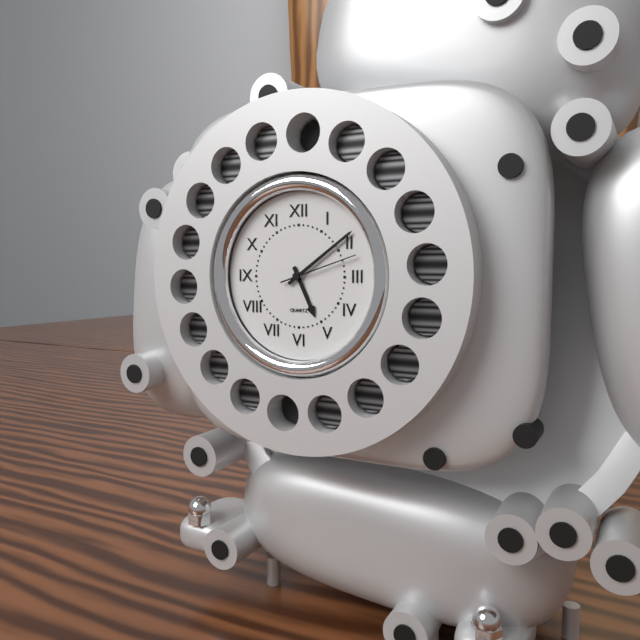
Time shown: **5:09:12**
